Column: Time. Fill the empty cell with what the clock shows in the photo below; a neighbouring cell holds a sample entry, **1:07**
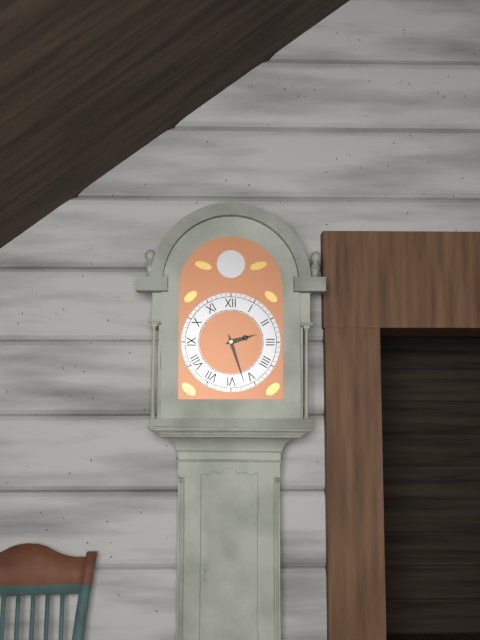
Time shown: **2:27**
